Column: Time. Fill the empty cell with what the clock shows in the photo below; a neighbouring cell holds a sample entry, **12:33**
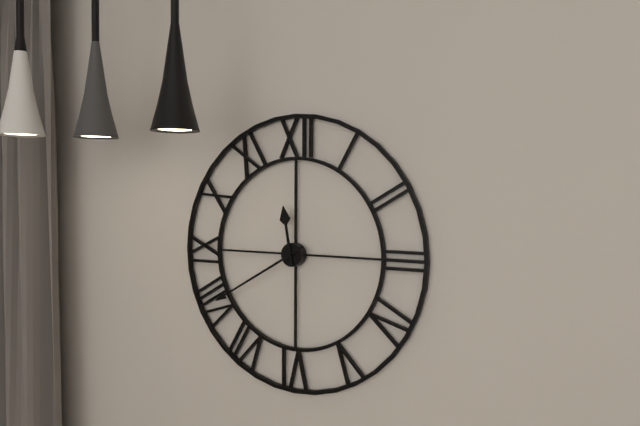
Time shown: **11:40**
